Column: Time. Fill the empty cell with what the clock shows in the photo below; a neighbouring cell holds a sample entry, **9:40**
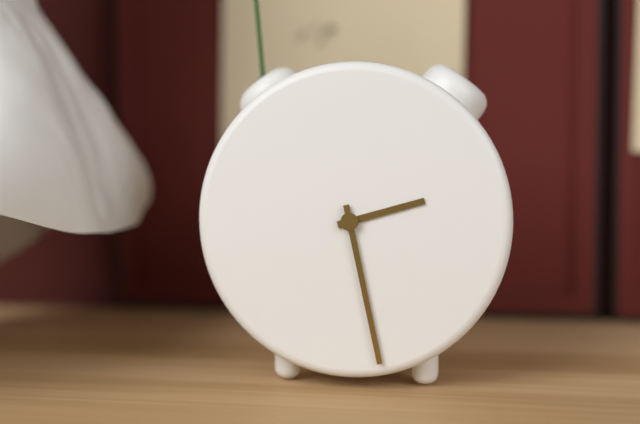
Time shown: **2:28**
